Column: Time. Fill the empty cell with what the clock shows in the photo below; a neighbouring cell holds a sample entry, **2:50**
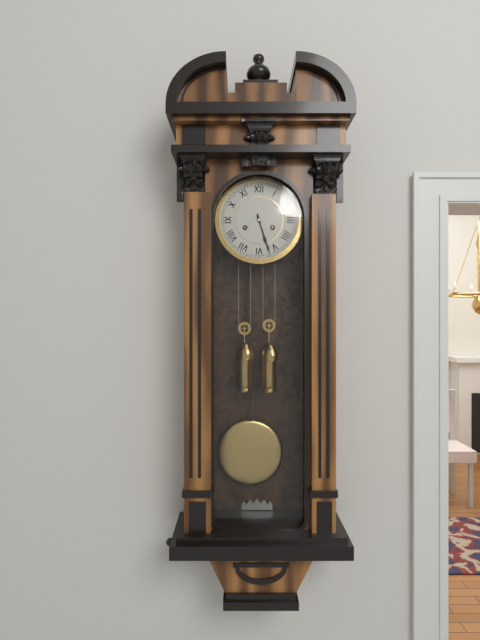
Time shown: **5:27**
